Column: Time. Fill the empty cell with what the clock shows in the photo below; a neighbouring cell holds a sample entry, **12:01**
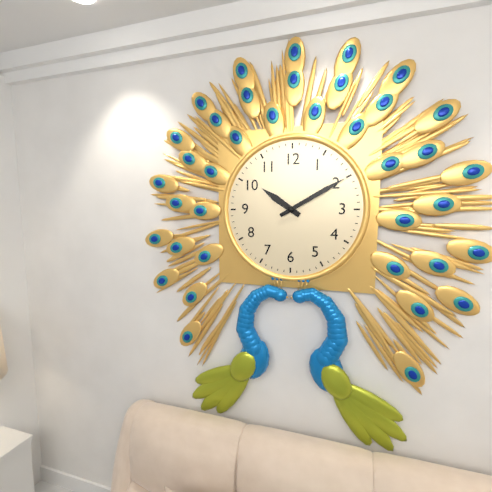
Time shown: **10:10**
